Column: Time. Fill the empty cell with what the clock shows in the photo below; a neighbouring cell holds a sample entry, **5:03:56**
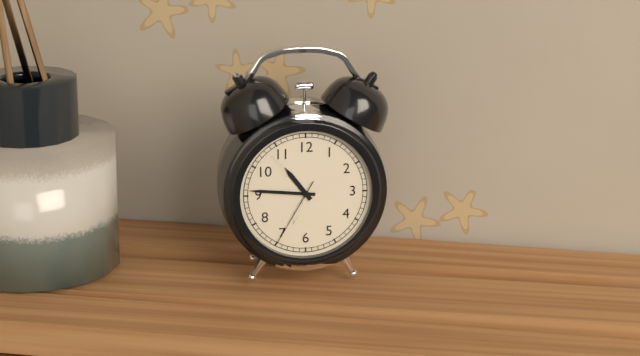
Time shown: **10:46:35**
